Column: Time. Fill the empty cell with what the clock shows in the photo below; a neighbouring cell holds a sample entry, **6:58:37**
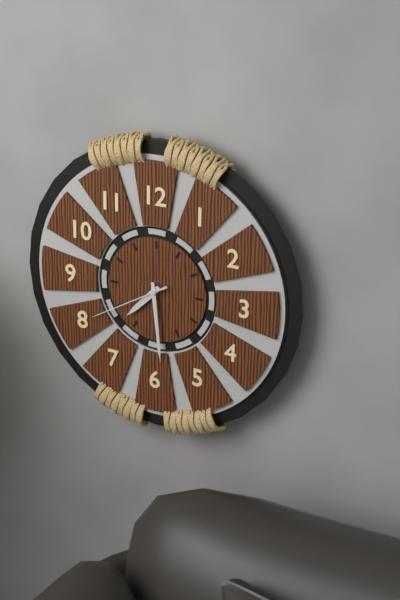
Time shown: **7:29:40**
